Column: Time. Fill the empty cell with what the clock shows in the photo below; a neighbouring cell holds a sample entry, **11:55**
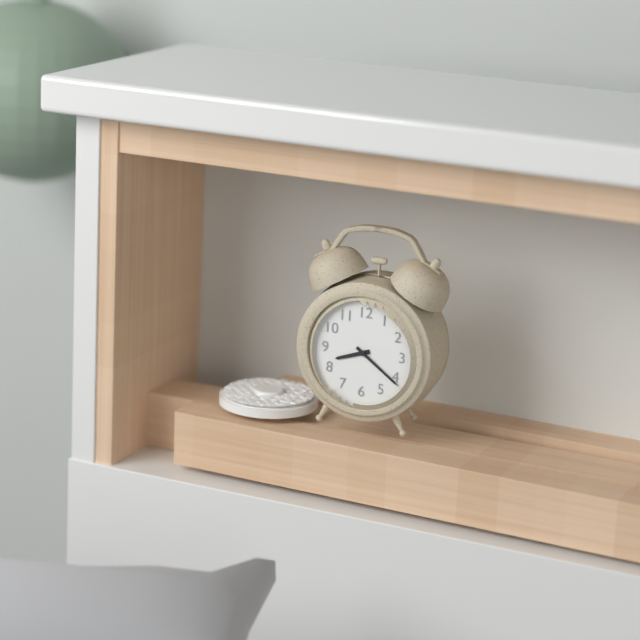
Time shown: **8:21**
